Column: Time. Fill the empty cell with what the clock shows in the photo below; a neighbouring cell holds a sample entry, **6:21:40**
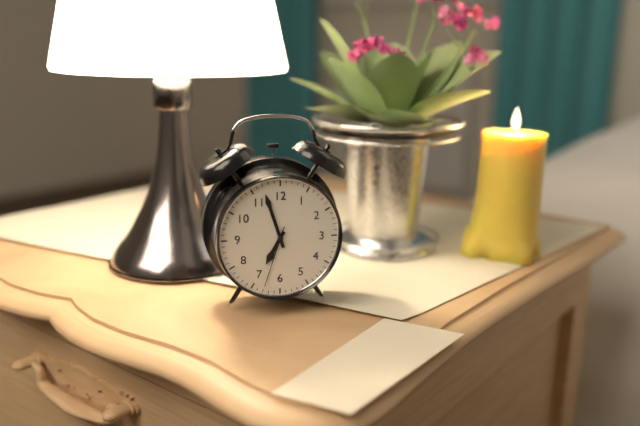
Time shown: **6:57:33**
